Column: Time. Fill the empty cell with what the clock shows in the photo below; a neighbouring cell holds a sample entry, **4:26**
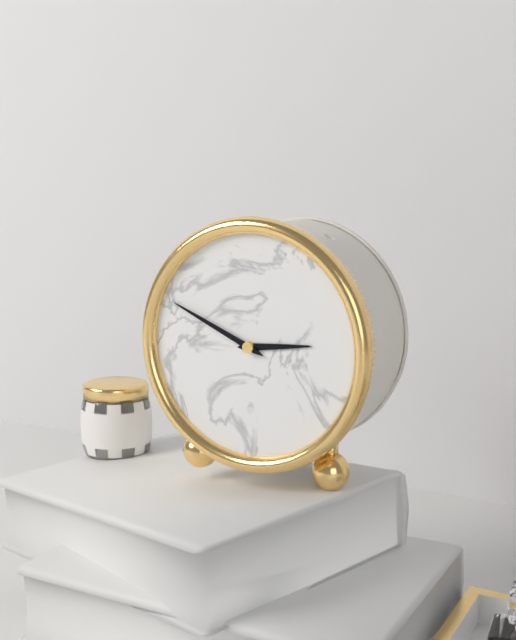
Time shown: **2:49**
